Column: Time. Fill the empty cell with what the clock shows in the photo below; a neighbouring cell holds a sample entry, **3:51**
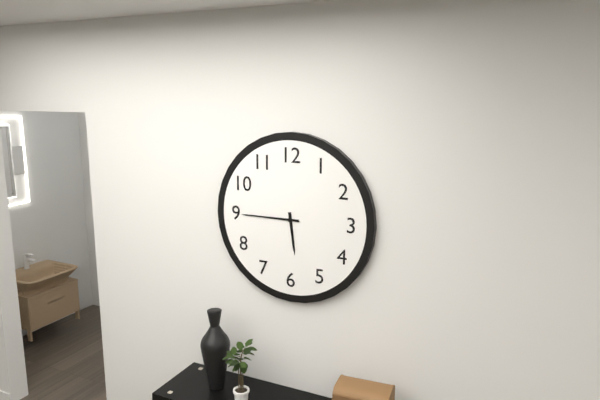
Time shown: **5:45**
